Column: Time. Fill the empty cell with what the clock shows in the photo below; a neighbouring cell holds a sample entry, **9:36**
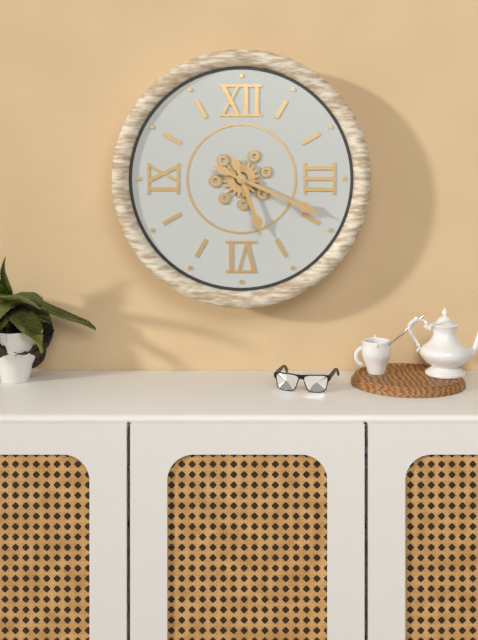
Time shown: **5:19**
